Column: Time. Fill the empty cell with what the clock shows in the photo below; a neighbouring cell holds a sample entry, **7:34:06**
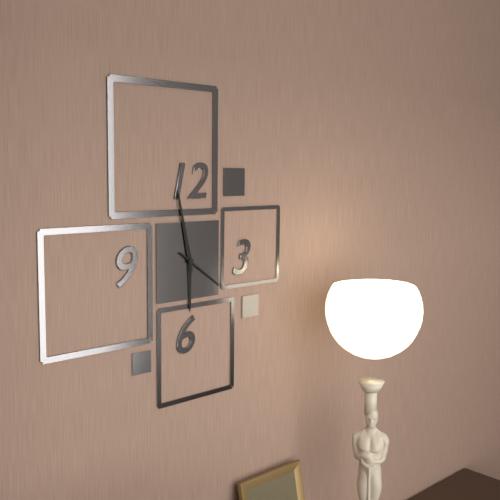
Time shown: **5:58:21**
